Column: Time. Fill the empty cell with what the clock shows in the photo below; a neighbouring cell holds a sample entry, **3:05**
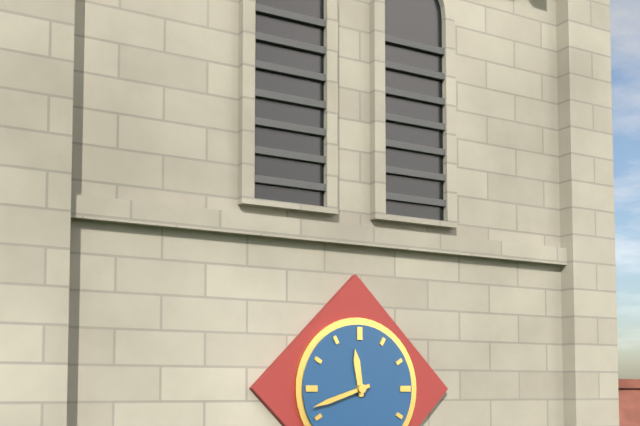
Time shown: **11:42**
